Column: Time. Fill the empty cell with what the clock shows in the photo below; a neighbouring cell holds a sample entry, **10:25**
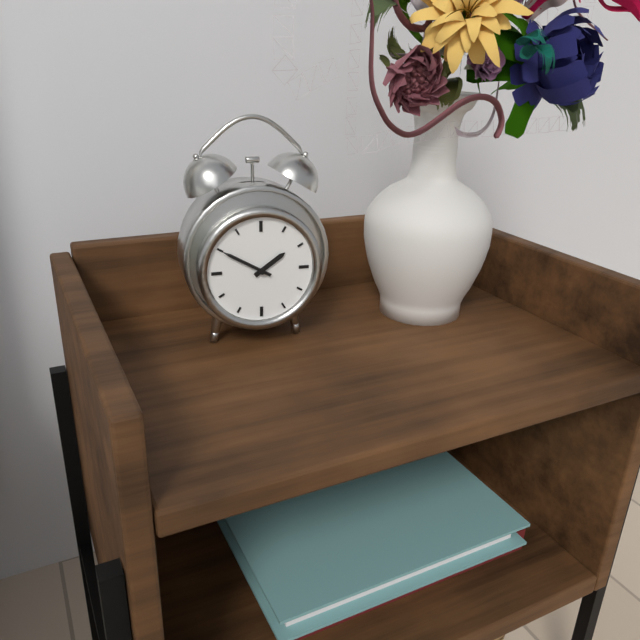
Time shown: **1:50**
